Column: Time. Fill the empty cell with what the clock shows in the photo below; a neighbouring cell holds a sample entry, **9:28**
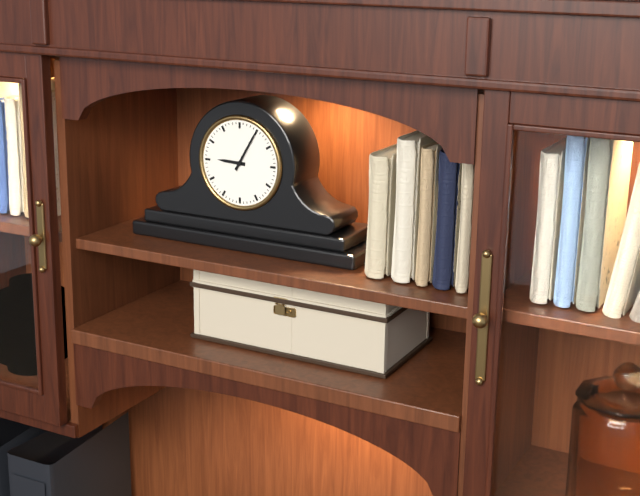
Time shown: **9:05**
